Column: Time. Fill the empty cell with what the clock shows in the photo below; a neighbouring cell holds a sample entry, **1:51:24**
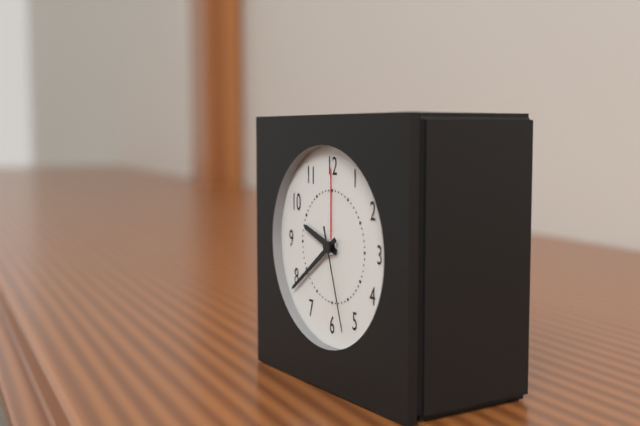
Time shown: **9:39:27**
